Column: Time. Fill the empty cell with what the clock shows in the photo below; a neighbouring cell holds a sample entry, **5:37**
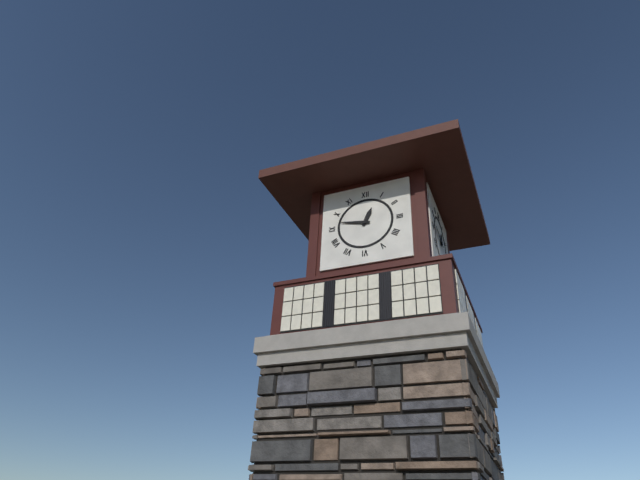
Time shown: **12:47**
